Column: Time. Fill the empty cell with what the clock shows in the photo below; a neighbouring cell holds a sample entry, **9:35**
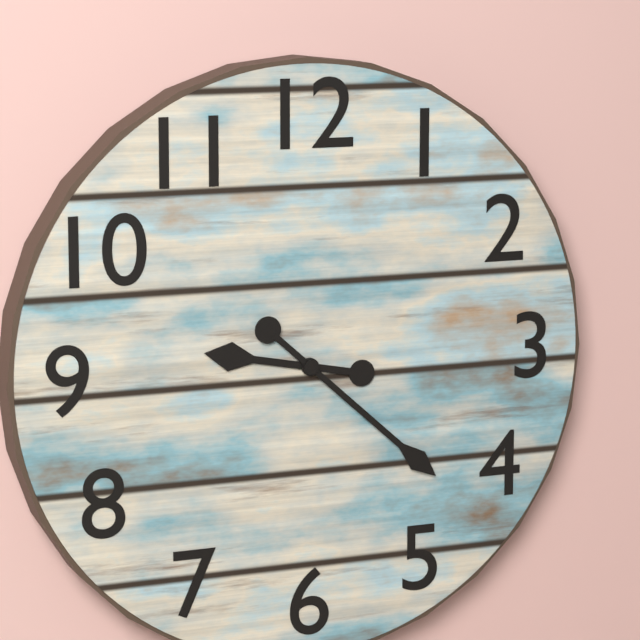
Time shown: **9:22**
